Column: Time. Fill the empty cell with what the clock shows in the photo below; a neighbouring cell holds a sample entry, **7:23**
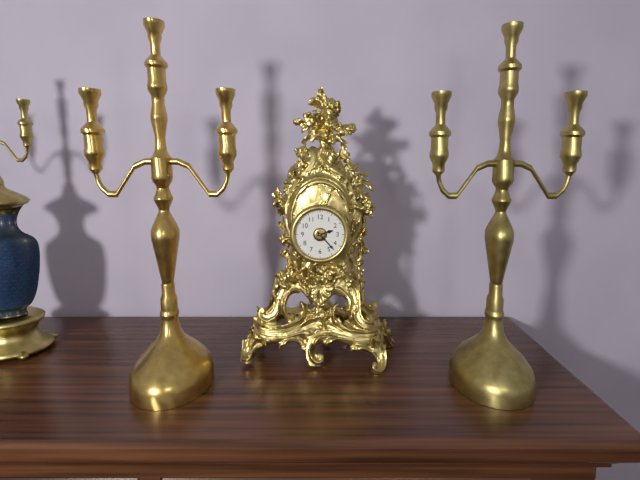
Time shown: **2:23**
